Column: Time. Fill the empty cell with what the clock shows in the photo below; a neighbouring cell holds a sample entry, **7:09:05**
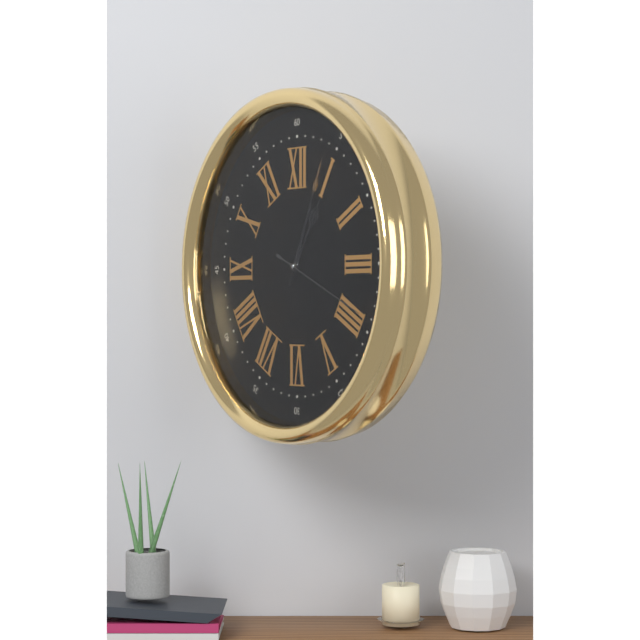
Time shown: **1:04:19**
